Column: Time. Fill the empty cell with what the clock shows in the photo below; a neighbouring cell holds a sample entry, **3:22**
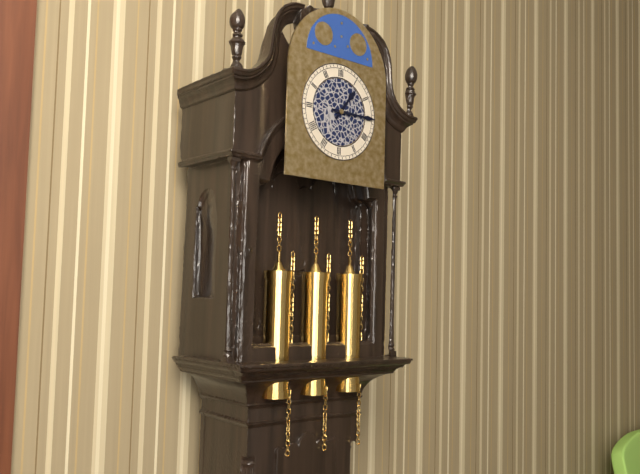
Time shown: **1:15**
